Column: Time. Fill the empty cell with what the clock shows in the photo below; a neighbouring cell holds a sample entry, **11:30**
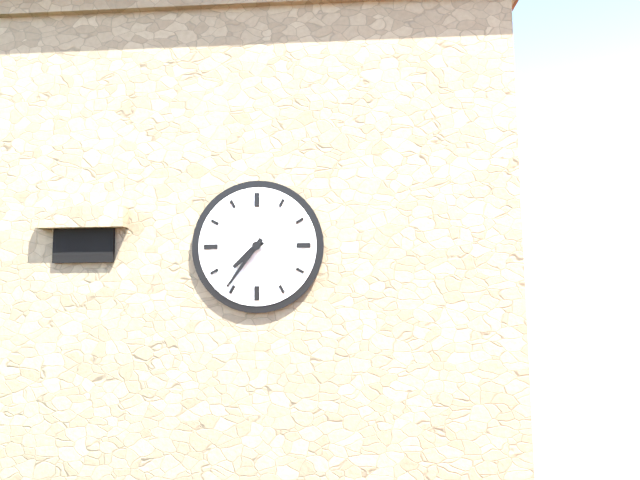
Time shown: **7:36**
